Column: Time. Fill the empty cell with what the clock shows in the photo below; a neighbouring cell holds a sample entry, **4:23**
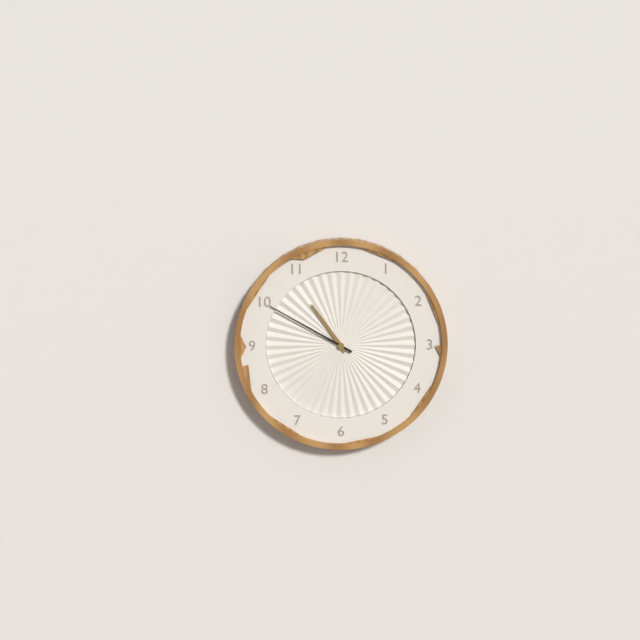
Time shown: **10:50**
